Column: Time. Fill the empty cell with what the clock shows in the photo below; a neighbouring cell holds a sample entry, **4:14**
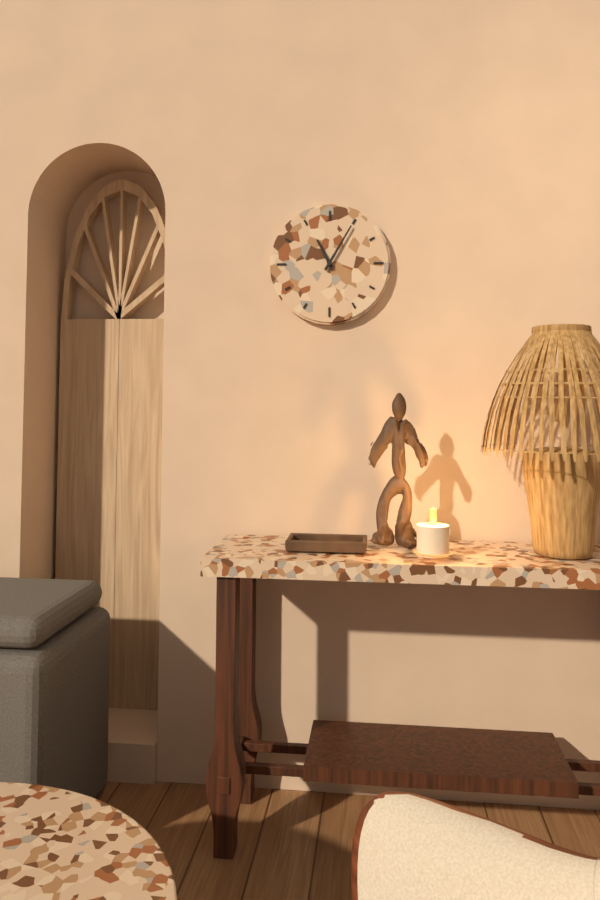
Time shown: **11:05**
